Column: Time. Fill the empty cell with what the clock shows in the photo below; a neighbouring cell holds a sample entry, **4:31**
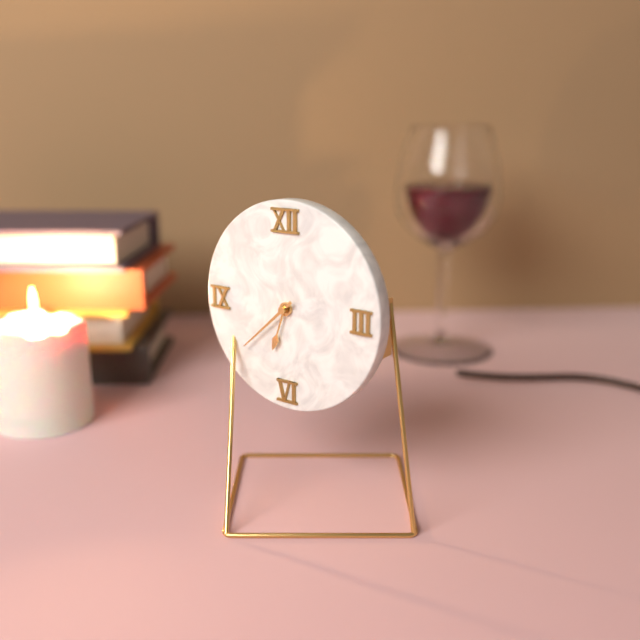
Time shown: **6:38**
